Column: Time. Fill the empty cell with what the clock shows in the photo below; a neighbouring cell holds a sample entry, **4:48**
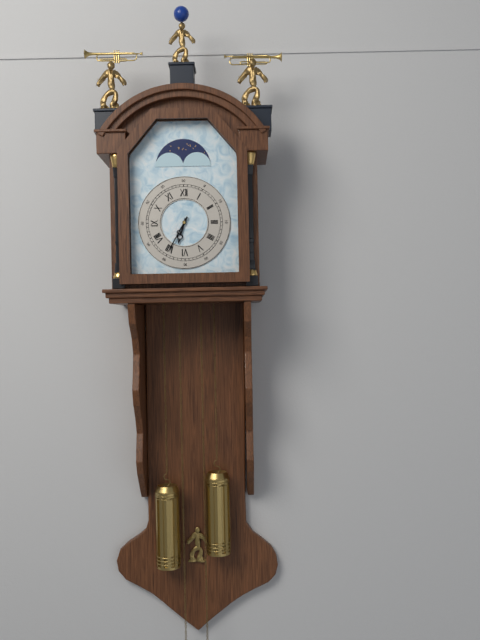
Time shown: **6:35**
